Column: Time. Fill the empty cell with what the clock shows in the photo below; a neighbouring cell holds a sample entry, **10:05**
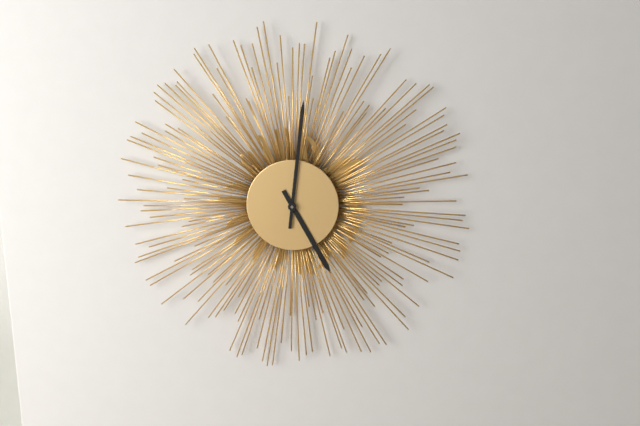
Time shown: **5:01**
